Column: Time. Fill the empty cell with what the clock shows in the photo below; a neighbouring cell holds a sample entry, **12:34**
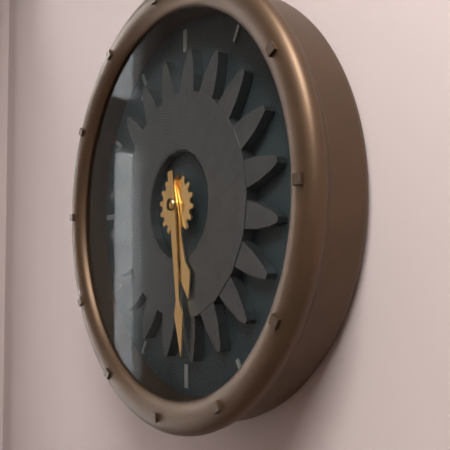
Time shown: **5:29**
